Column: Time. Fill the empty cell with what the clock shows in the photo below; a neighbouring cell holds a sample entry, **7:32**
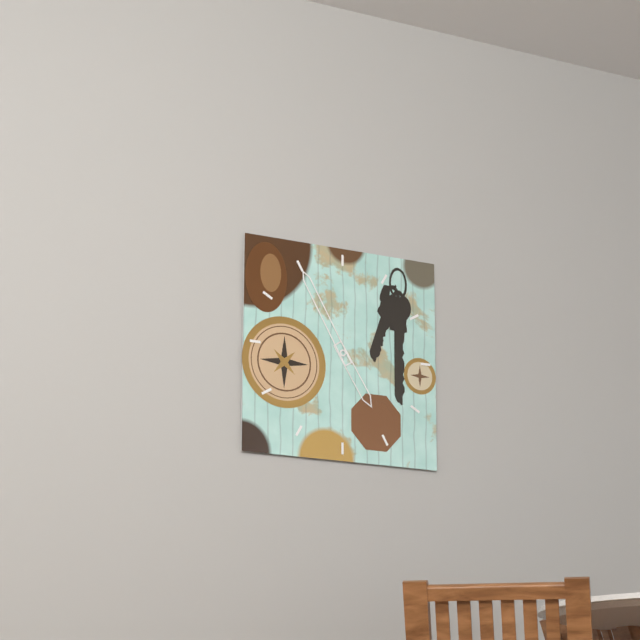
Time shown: **4:55**
